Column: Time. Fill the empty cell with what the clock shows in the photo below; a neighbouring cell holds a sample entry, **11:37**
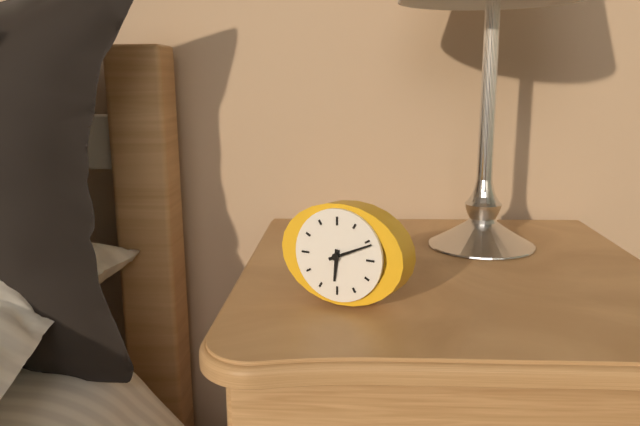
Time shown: **6:11**
